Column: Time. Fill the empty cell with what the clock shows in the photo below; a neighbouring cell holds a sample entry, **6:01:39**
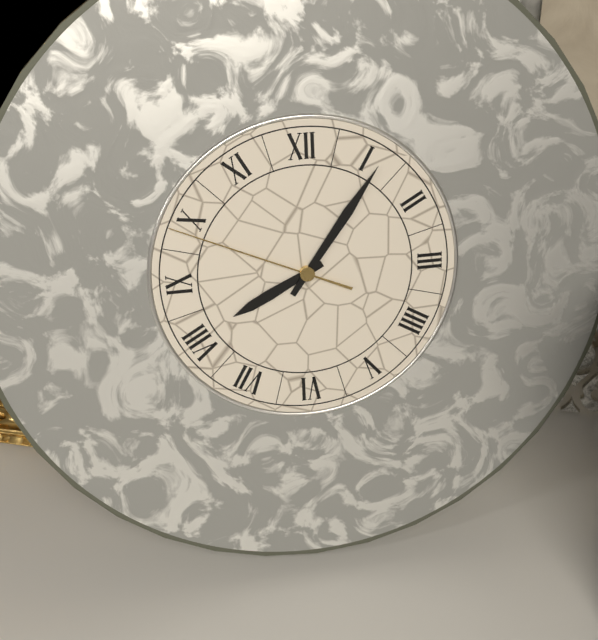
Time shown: **8:06:49**
